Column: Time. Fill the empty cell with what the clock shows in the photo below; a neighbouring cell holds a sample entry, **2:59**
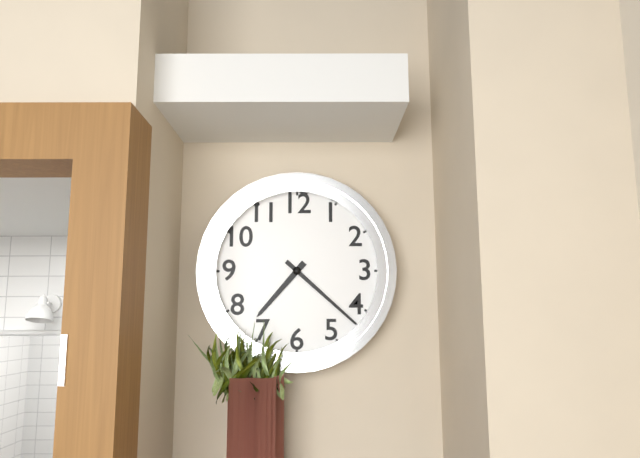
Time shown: **7:22**
